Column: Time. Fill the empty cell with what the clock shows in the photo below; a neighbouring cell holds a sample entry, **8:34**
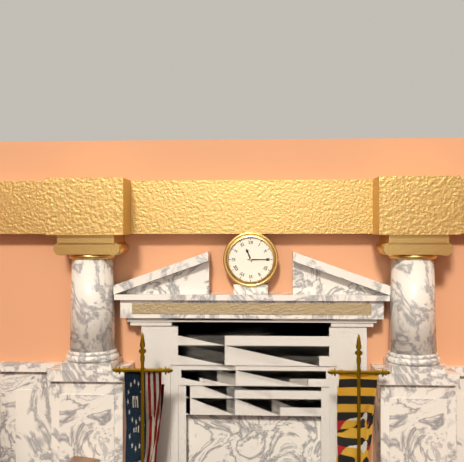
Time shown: **11:15**
